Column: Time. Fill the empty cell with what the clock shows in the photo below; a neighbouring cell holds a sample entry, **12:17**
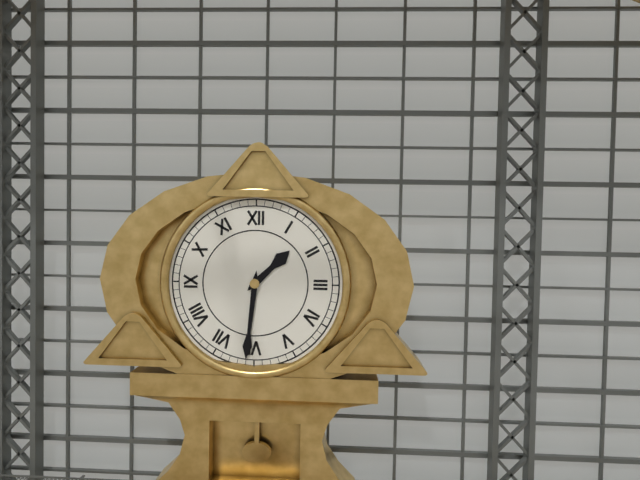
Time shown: **1:31**
